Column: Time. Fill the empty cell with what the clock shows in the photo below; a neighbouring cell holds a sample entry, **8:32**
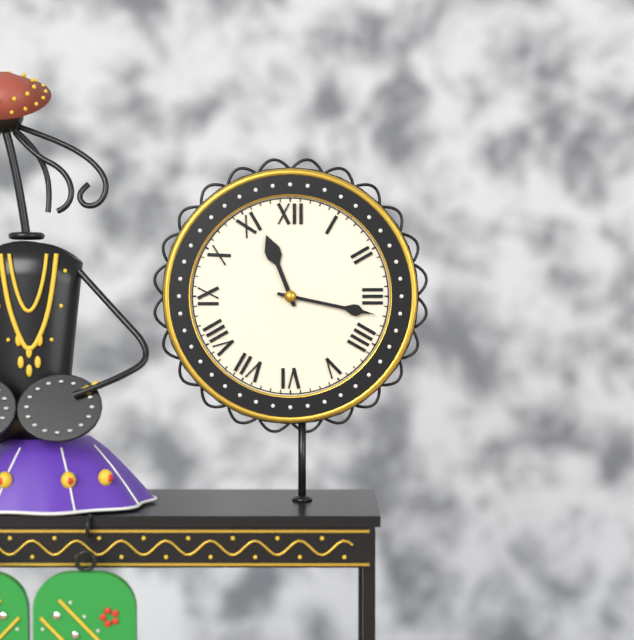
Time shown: **11:17**
